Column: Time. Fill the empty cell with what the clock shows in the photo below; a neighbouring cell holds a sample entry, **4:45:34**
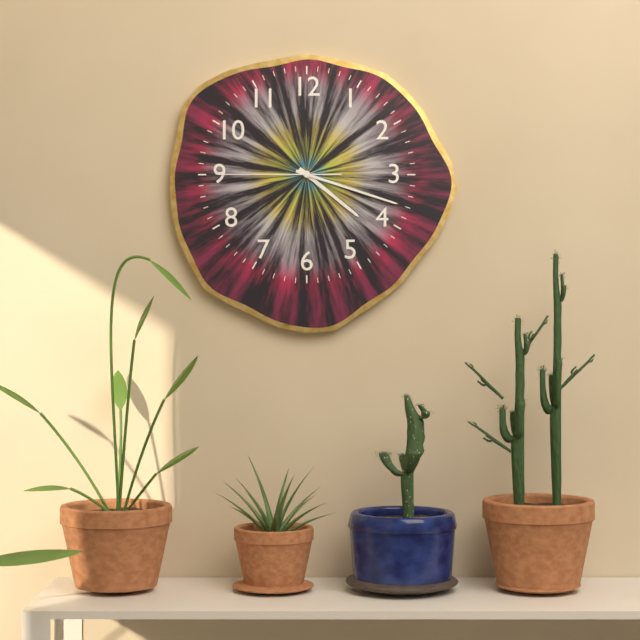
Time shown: **4:18:45**
